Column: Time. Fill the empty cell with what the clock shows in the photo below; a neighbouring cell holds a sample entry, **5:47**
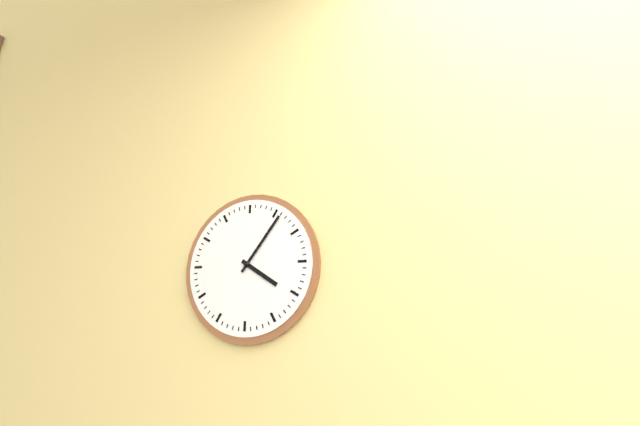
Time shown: **4:06**
